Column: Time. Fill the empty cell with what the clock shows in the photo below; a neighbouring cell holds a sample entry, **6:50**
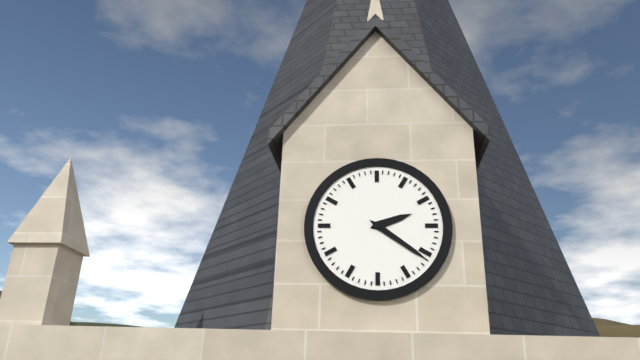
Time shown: **2:21**
